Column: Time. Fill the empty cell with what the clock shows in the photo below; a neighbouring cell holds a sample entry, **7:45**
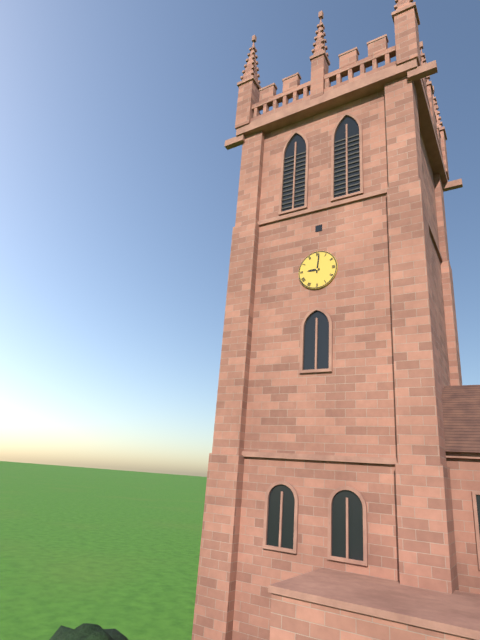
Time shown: **9:01**
